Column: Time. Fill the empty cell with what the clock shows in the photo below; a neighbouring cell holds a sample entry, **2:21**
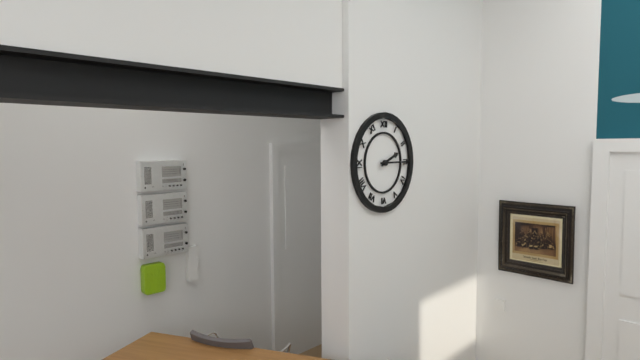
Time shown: **2:15**
